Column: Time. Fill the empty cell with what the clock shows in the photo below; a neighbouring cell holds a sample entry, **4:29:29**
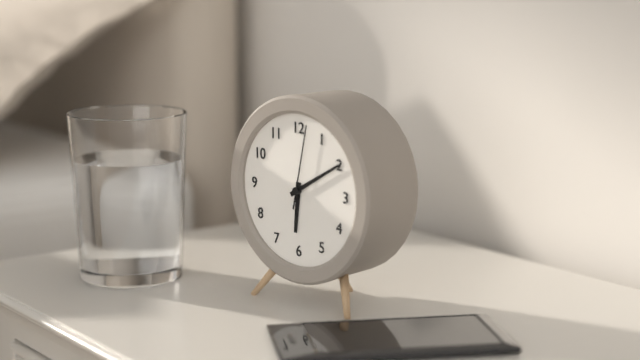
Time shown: **6:10:02**
